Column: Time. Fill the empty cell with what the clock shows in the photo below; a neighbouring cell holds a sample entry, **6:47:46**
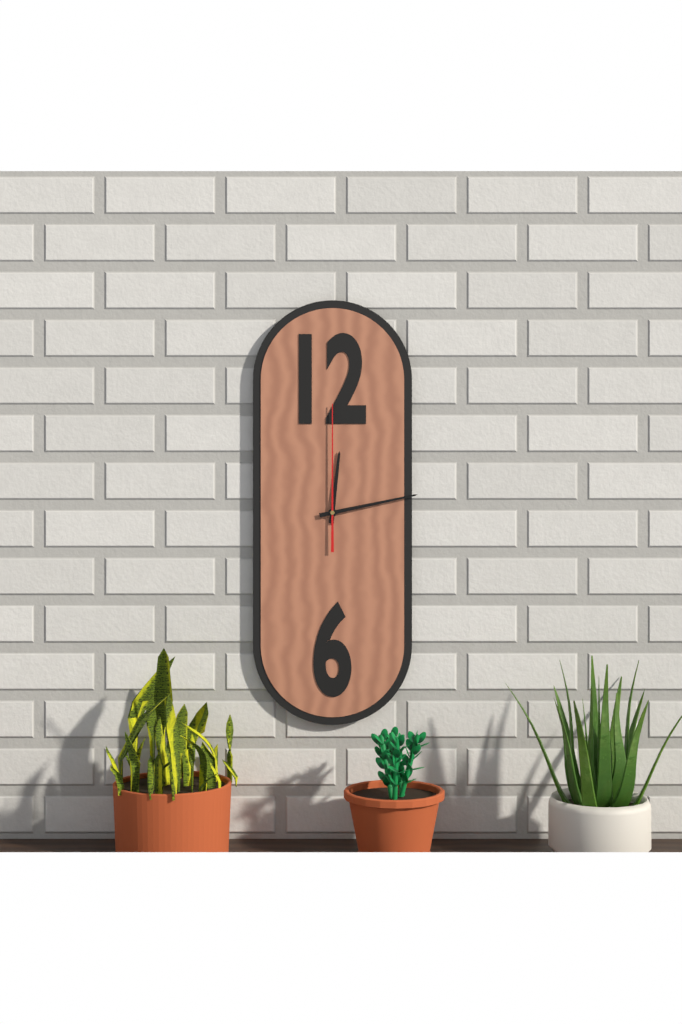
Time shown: **12:13:00**
